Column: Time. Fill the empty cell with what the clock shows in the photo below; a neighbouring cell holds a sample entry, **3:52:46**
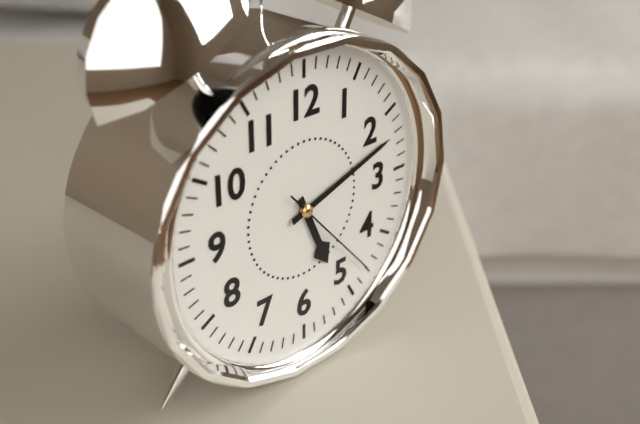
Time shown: **5:12:23**
